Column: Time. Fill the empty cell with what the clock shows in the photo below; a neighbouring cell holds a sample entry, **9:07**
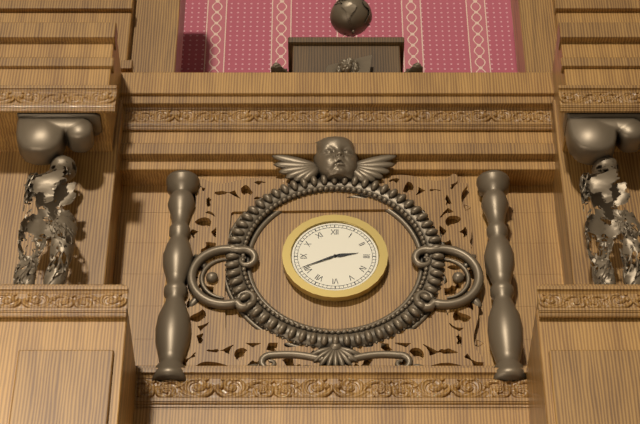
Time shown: **2:41**
